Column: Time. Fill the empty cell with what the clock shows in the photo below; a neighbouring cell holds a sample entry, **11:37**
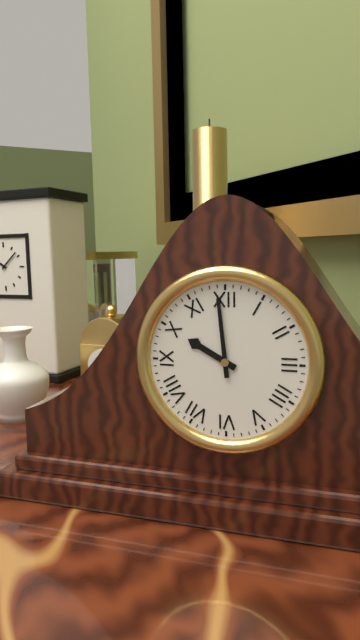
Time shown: **9:59**
